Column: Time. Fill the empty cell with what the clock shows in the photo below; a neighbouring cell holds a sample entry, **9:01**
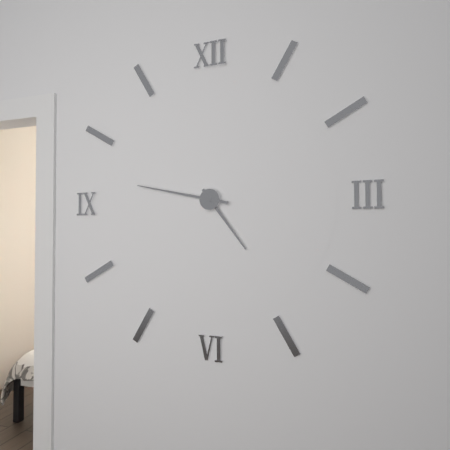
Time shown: **4:47**
